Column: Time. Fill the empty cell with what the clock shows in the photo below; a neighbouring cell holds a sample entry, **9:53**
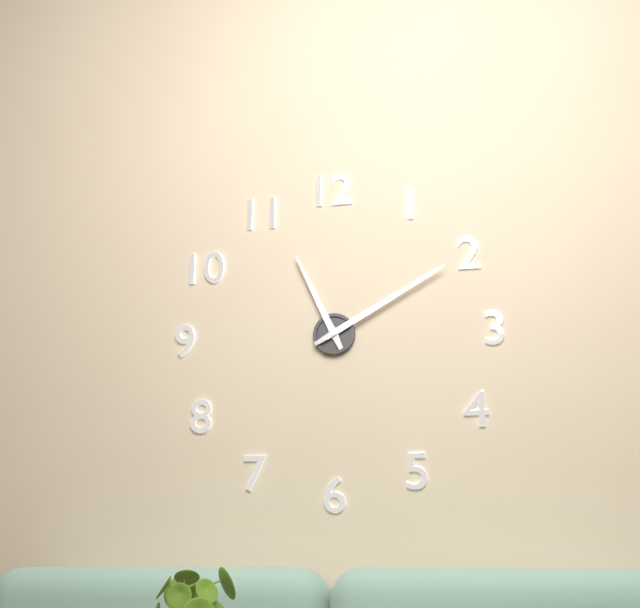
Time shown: **11:10**
